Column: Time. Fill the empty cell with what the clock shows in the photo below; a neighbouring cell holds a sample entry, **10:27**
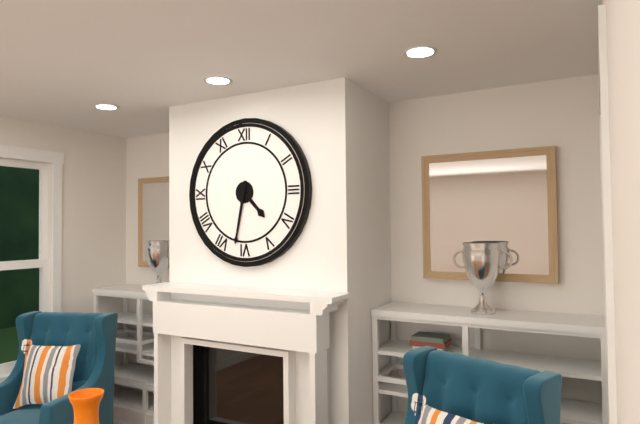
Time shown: **4:32**
